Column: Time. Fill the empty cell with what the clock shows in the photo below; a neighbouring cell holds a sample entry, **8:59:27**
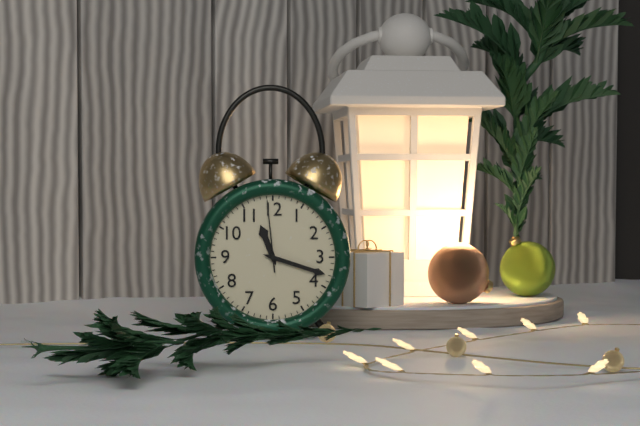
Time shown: **11:18:59**
